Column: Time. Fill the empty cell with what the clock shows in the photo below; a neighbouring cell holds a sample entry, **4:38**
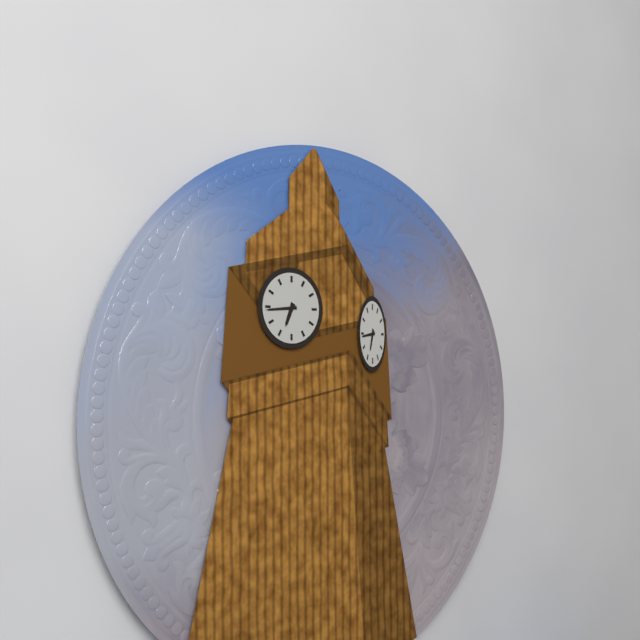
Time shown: **6:44**
